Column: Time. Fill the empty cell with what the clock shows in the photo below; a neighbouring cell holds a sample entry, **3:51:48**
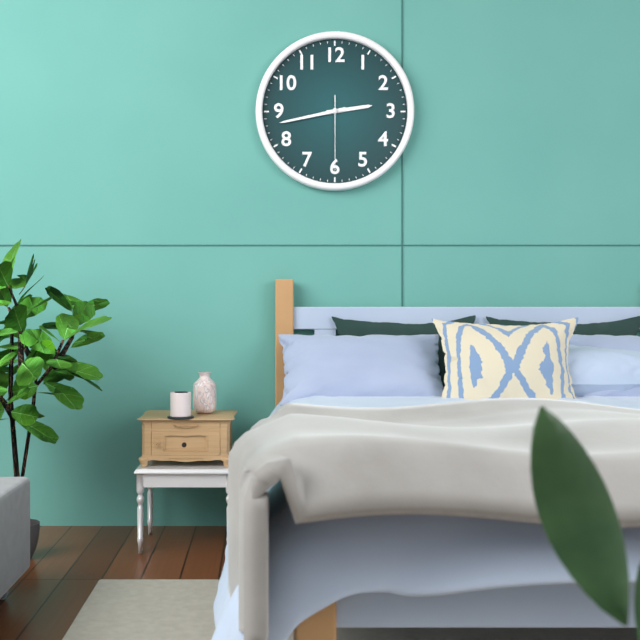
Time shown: **2:43:30**
